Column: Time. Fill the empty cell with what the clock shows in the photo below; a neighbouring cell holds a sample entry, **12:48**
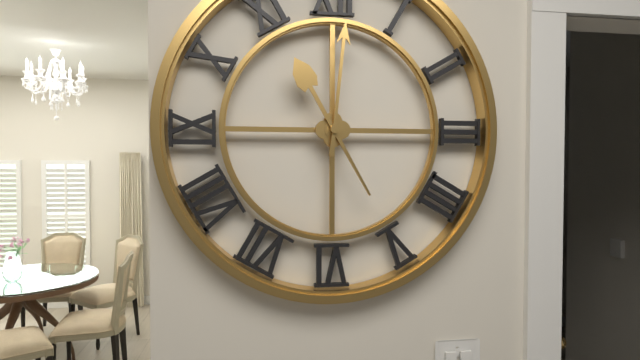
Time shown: **11:01**
